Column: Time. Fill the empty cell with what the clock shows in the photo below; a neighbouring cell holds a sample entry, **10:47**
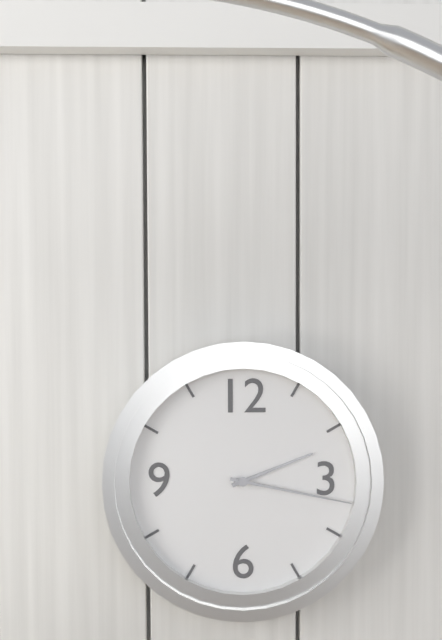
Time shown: **2:17**
